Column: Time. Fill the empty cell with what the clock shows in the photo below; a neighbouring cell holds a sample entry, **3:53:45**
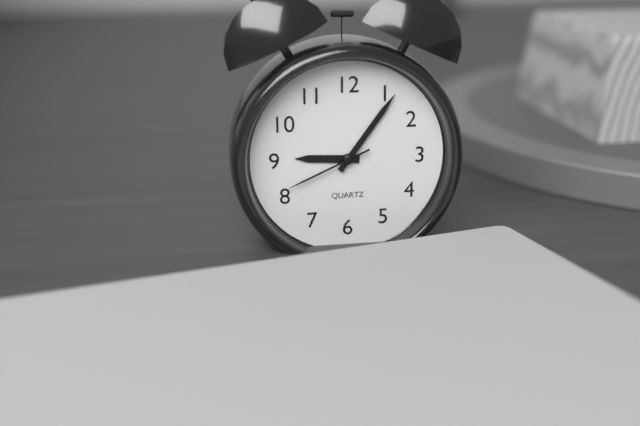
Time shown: **9:06:41**
